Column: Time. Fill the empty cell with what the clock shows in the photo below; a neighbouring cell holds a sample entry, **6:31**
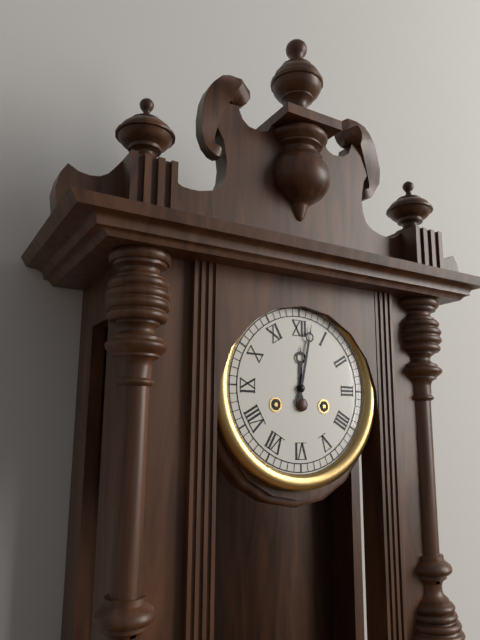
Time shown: **12:02**
